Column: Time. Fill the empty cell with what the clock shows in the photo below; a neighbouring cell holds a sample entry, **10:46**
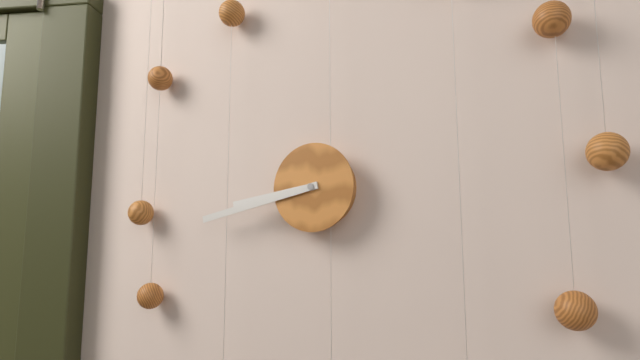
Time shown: **8:43**
